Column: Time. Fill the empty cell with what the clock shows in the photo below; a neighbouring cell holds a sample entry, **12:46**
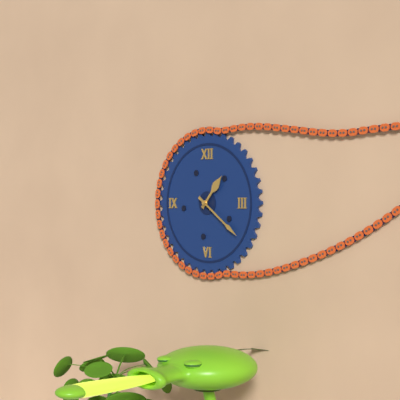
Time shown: **1:21**
